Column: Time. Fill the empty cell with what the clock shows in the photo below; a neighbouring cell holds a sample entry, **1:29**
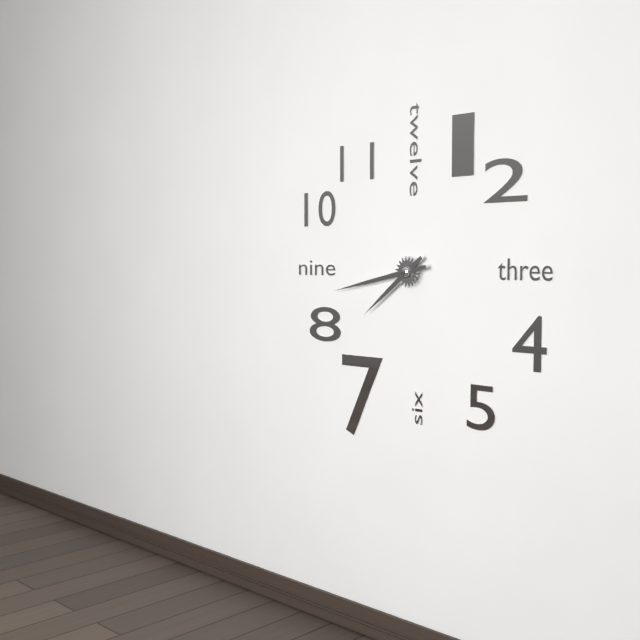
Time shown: **7:43**
